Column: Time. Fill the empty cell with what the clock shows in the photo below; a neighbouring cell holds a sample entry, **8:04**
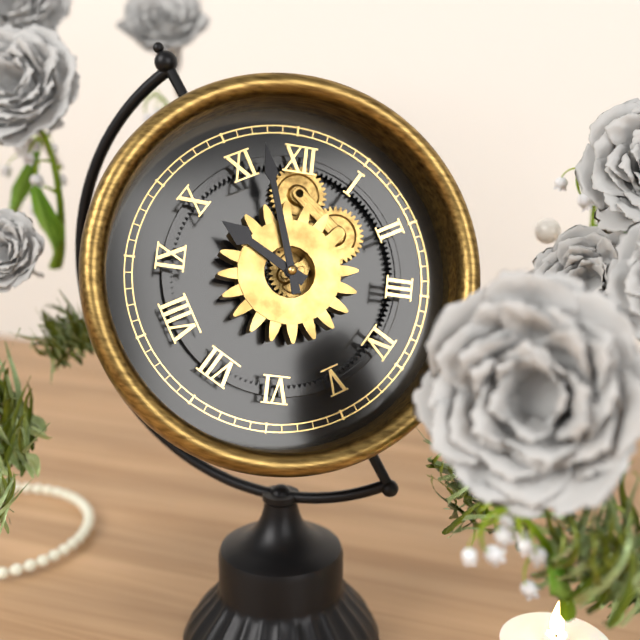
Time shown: **9:57**
